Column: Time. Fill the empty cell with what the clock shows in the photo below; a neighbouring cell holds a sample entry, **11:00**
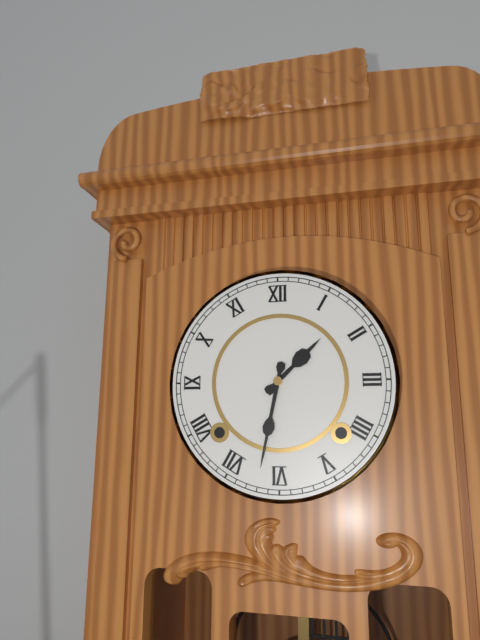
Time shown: **1:32**
